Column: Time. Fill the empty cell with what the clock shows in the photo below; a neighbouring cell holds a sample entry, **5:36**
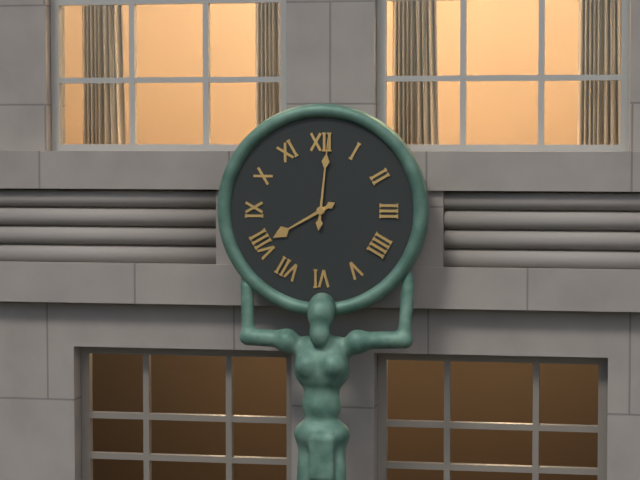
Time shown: **8:01**
